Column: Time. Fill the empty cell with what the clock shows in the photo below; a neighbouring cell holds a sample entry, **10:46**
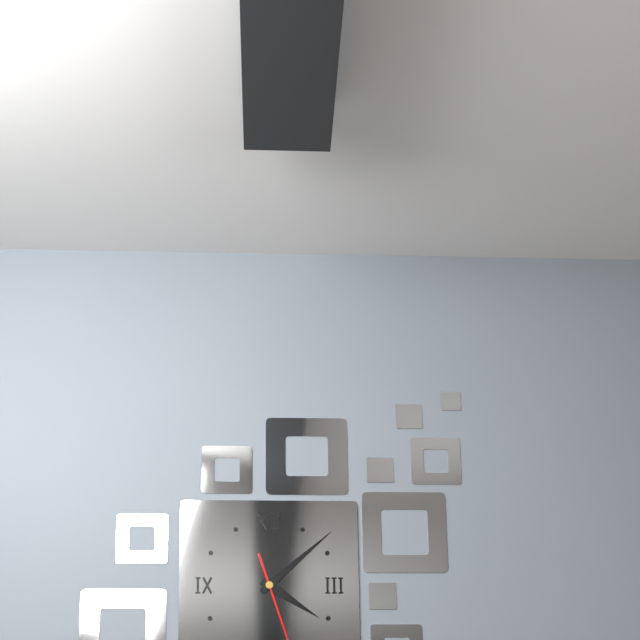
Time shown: **4:08**
